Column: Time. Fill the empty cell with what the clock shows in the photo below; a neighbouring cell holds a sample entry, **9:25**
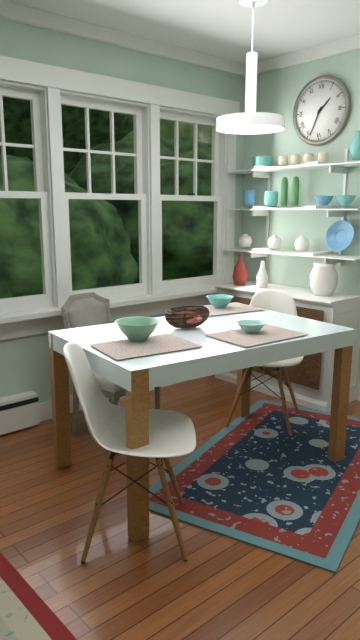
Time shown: **1:34**
